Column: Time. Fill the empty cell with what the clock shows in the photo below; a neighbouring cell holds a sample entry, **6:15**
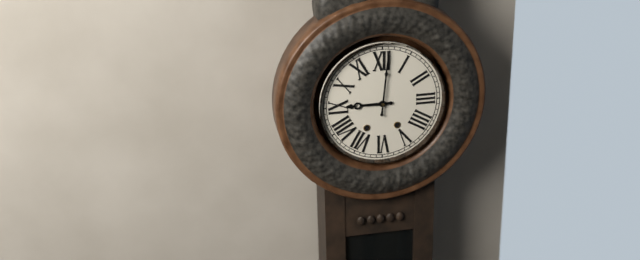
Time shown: **9:01**
